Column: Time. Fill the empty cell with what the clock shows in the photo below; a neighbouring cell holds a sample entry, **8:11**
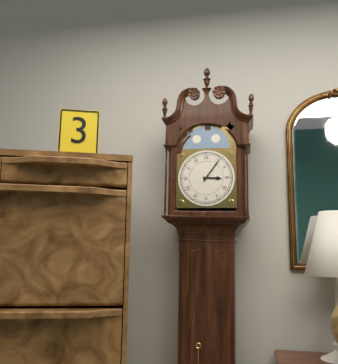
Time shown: **3:06**
